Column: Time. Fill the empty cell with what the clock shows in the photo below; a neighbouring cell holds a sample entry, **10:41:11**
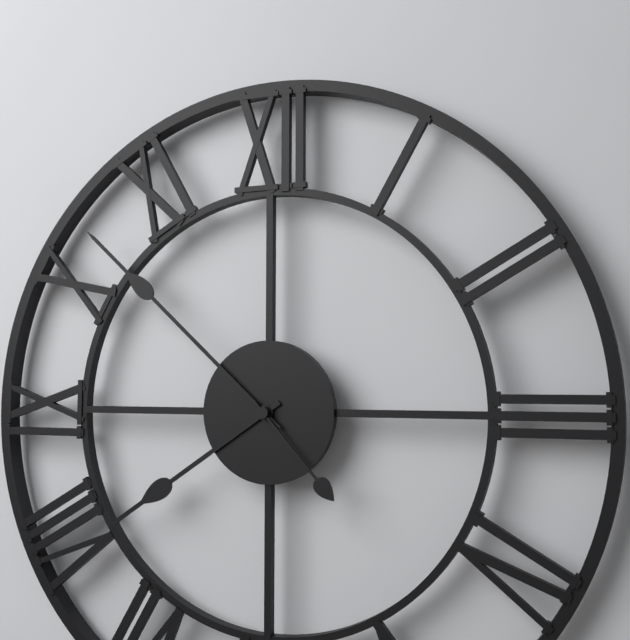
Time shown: **7:52:23**
